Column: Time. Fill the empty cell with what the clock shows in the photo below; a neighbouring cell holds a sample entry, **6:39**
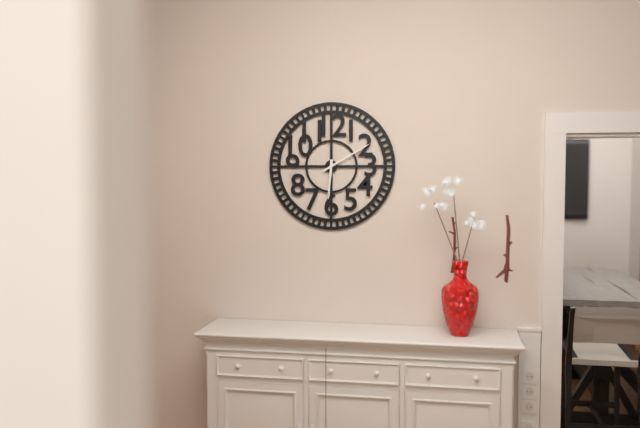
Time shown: **6:10**
